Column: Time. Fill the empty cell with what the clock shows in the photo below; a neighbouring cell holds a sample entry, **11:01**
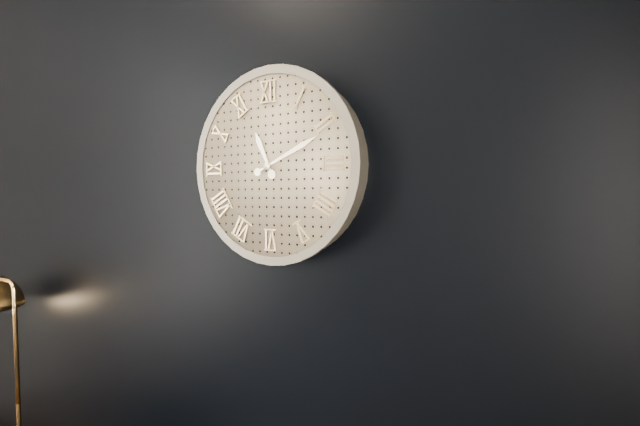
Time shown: **11:11**
